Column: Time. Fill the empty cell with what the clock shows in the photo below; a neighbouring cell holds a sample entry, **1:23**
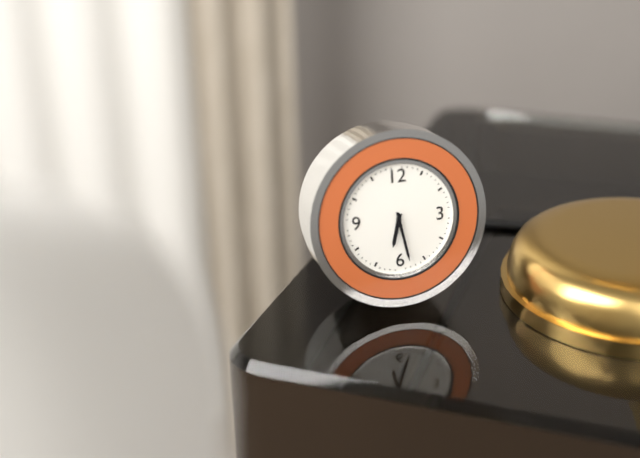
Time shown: **6:28**
